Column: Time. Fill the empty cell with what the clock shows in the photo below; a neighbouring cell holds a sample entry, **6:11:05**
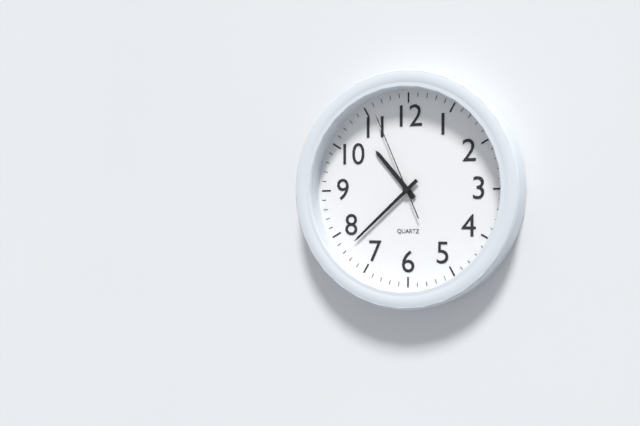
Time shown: **10:38:56**
